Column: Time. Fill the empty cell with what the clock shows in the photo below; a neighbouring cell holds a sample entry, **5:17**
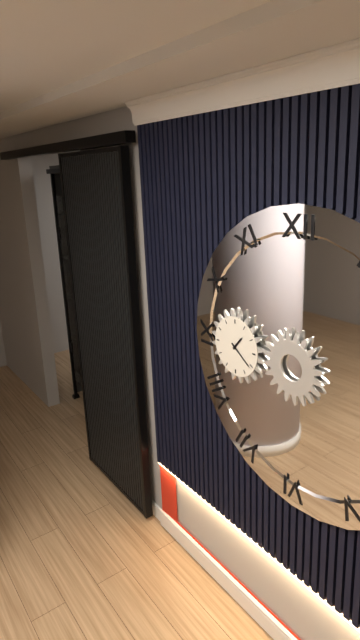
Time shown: **1:21**
